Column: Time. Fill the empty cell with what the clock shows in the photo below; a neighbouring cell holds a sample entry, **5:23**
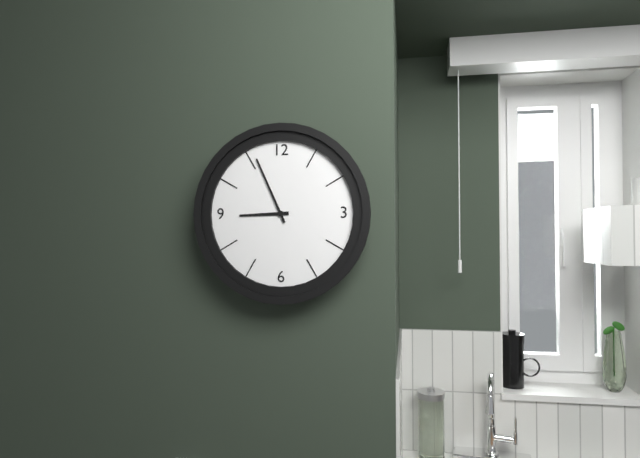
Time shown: **8:56**
